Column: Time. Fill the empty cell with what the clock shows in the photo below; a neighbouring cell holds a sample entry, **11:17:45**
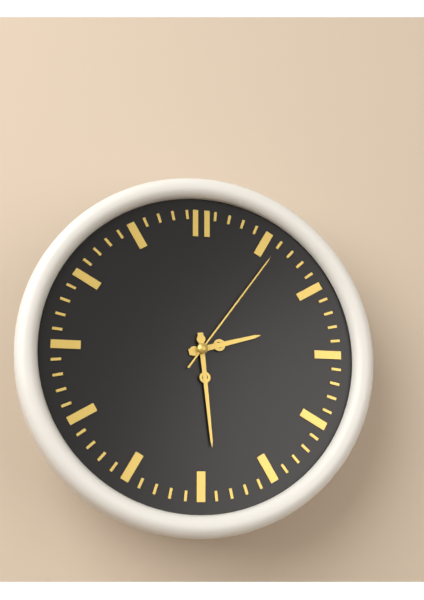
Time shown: **2:29:06**
